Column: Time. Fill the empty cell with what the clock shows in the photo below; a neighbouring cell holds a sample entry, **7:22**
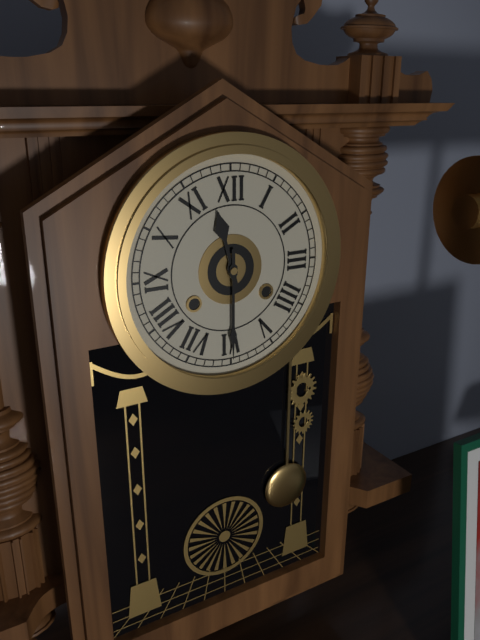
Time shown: **11:30**
